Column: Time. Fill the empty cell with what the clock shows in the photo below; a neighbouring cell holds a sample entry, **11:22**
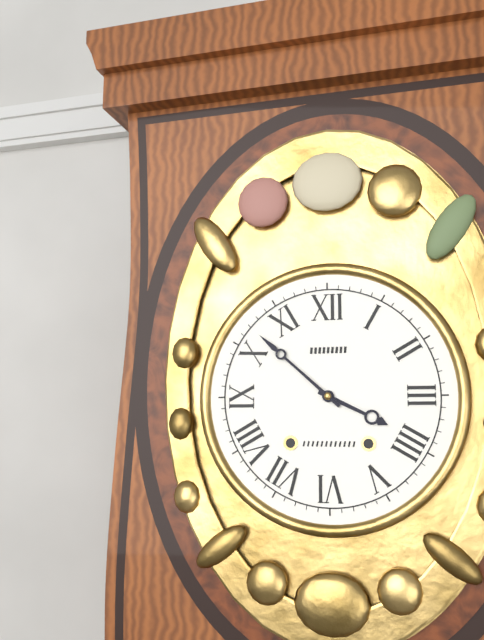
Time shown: **3:52**
